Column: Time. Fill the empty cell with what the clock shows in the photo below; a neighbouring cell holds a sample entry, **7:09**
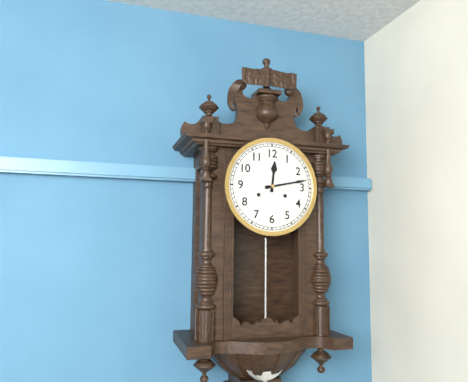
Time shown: **12:13**
